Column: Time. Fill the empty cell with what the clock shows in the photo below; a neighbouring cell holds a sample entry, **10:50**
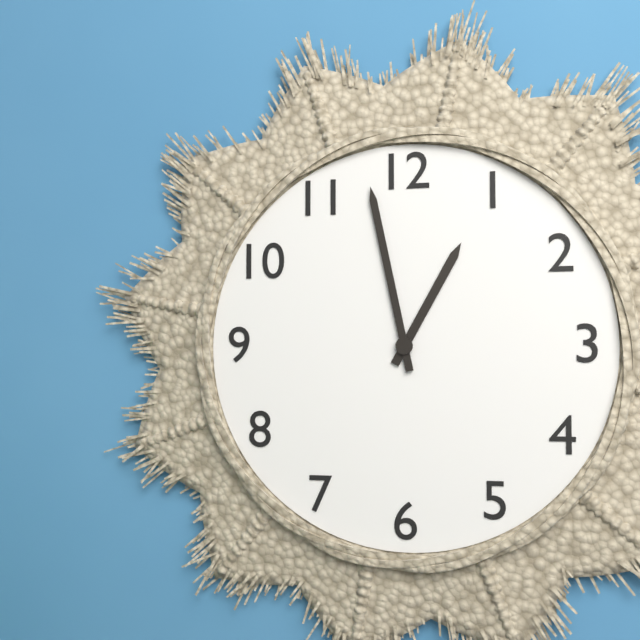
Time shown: **12:58**
